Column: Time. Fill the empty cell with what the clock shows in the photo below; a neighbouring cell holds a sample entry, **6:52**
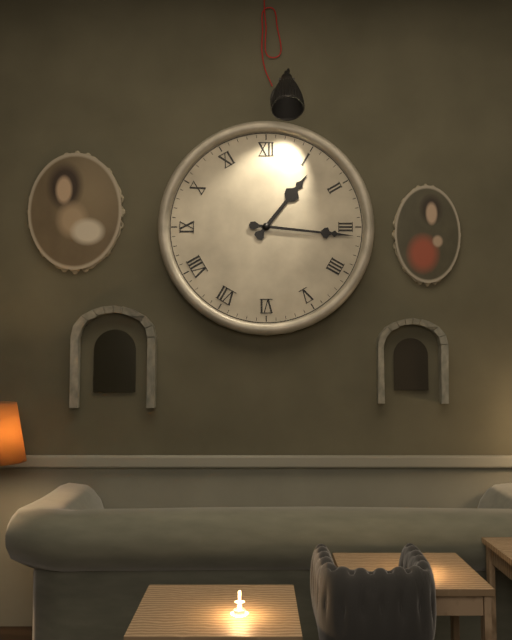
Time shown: **1:16**
